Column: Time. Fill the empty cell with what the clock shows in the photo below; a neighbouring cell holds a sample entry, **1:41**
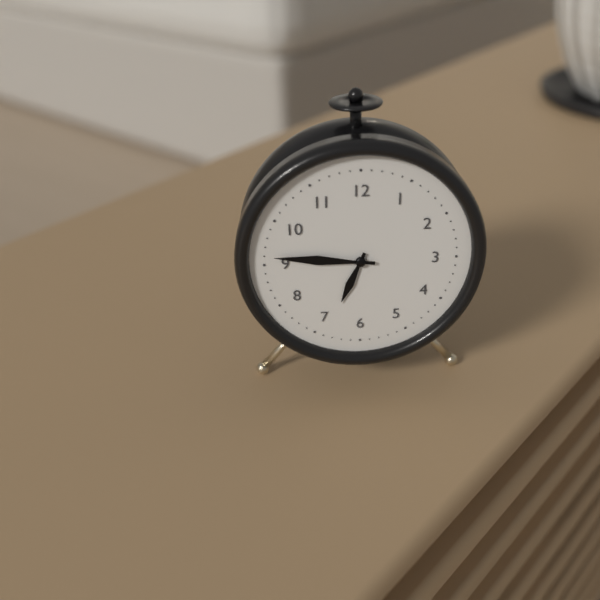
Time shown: **6:46**
